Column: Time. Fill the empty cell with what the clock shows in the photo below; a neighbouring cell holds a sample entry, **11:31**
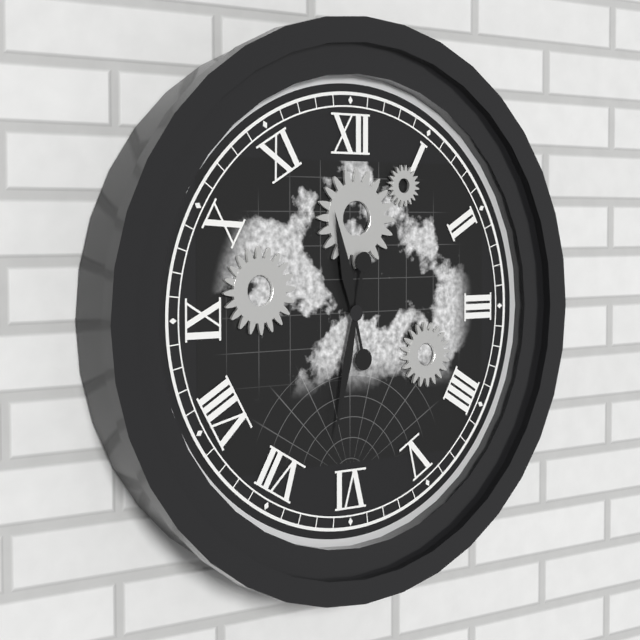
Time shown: **11:32**
